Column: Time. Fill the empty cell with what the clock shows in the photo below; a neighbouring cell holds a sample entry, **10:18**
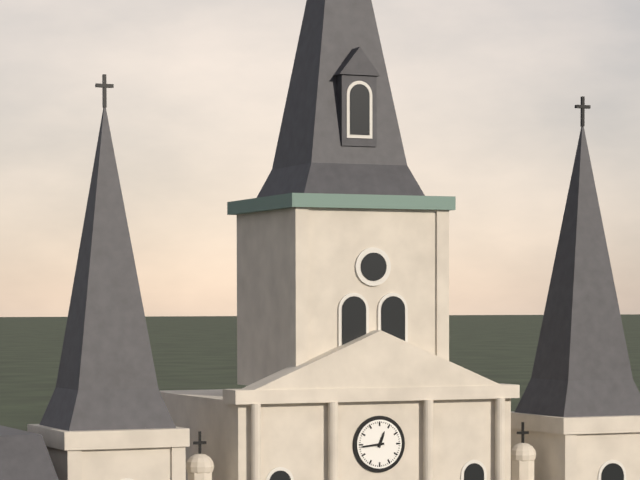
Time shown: **12:44**
